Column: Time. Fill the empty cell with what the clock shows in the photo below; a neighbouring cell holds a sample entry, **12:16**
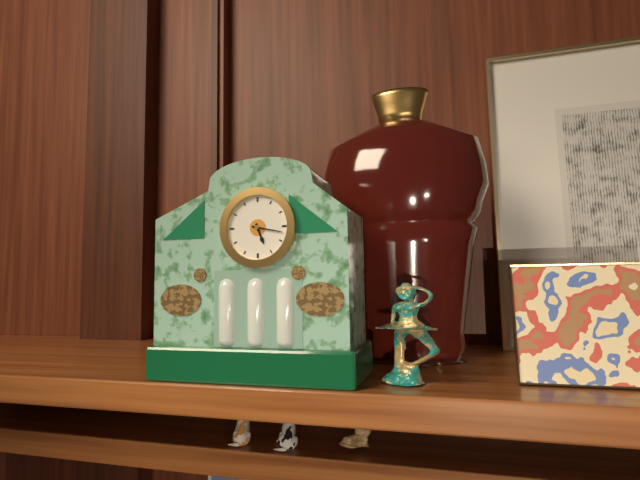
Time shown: **5:17**
